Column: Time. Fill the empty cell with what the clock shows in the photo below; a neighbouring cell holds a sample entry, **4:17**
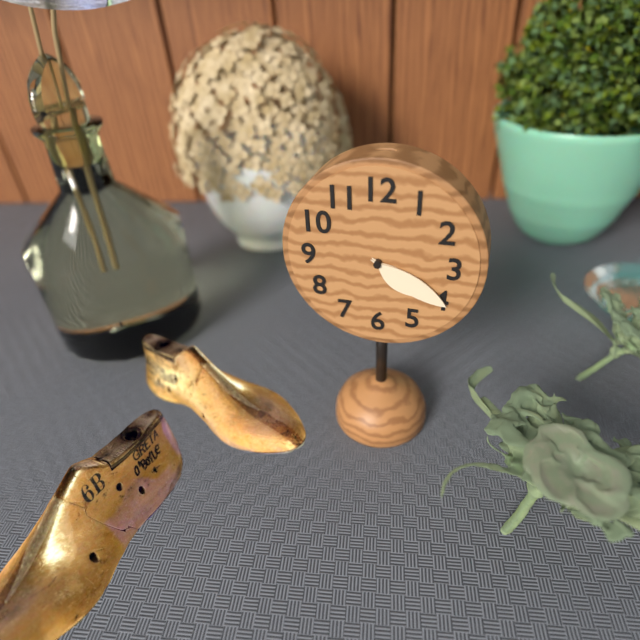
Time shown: **4:20**
